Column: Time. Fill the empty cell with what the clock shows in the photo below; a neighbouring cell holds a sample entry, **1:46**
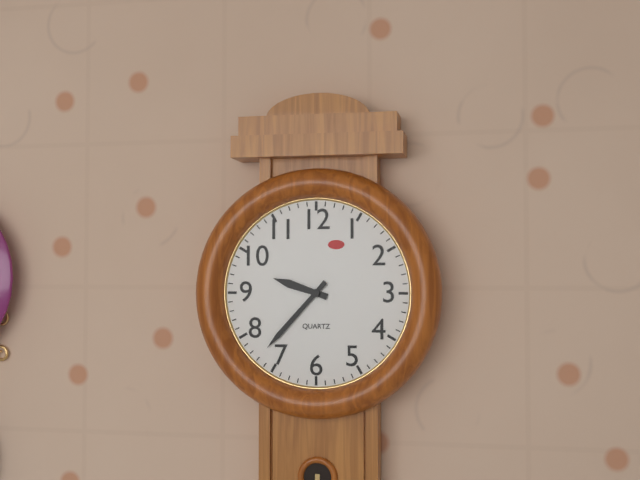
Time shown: **9:37**
